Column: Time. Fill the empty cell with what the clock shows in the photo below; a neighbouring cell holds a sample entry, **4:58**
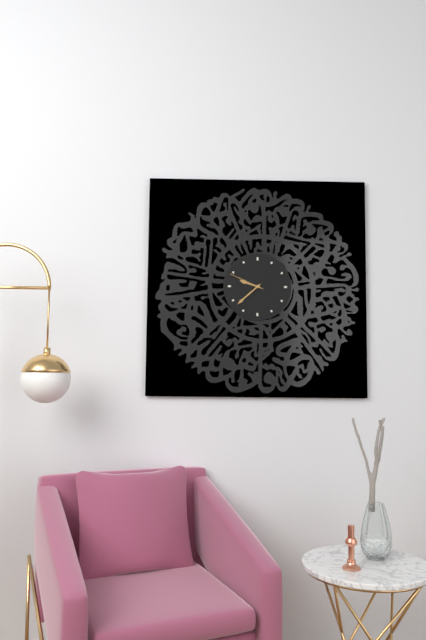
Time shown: **9:38**
